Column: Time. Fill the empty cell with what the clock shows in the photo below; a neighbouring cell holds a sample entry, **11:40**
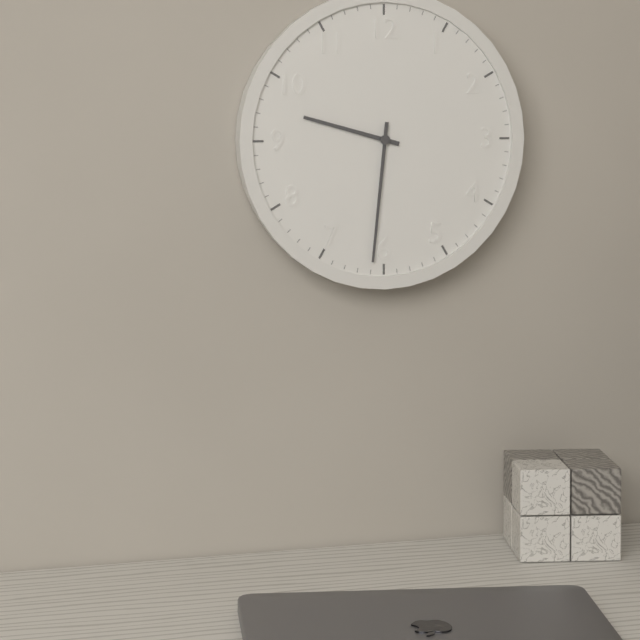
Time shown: **9:31**
